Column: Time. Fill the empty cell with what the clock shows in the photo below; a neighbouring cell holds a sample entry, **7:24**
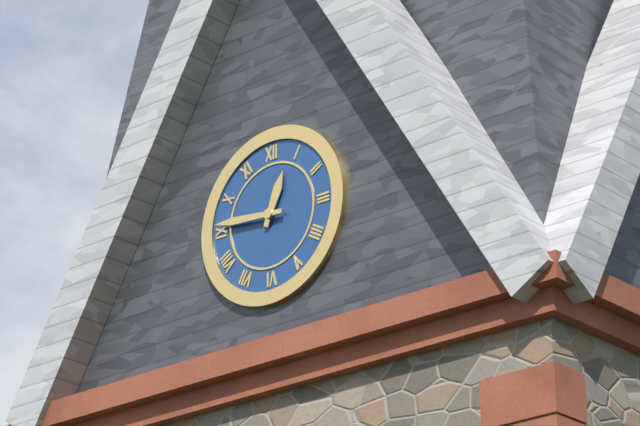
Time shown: **12:46**
